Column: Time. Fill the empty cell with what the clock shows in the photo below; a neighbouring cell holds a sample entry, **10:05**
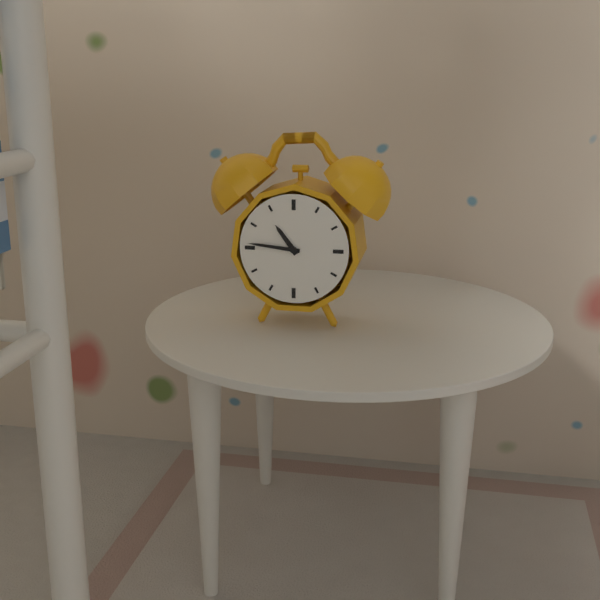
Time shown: **10:46**
